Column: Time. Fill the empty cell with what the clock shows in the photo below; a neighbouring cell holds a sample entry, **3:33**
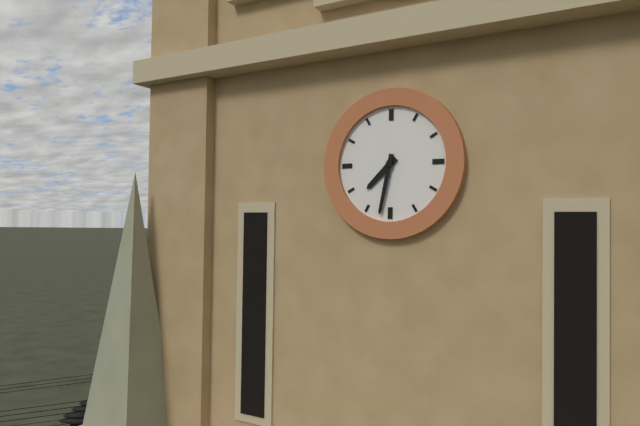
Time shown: **7:32**
